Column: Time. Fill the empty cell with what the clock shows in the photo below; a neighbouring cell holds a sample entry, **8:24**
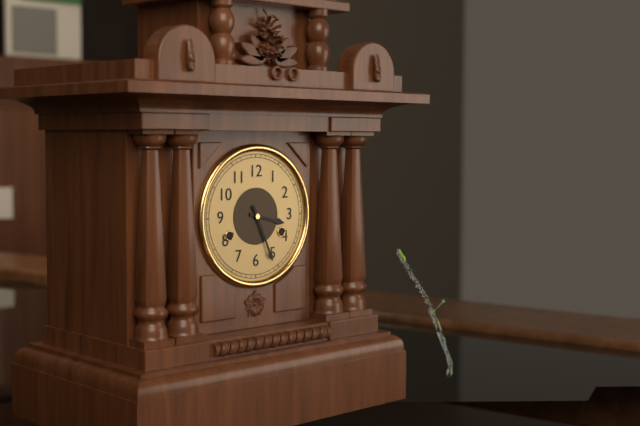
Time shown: **3:26**
